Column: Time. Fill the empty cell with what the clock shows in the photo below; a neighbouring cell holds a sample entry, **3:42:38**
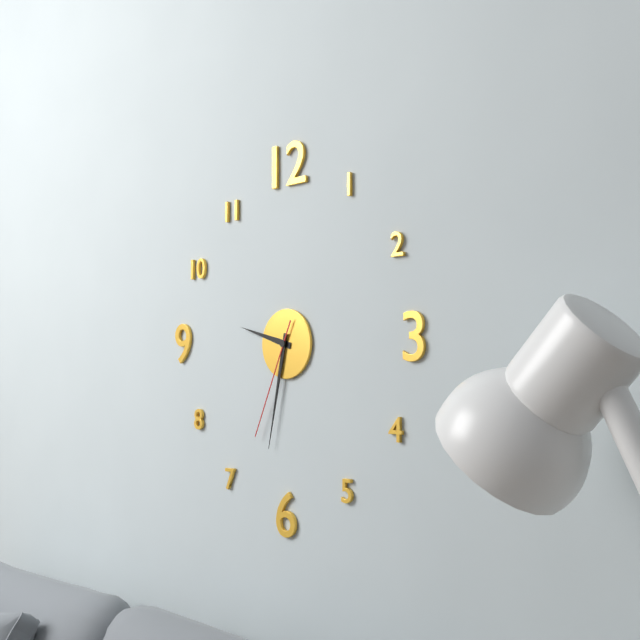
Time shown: **9:32:34**
